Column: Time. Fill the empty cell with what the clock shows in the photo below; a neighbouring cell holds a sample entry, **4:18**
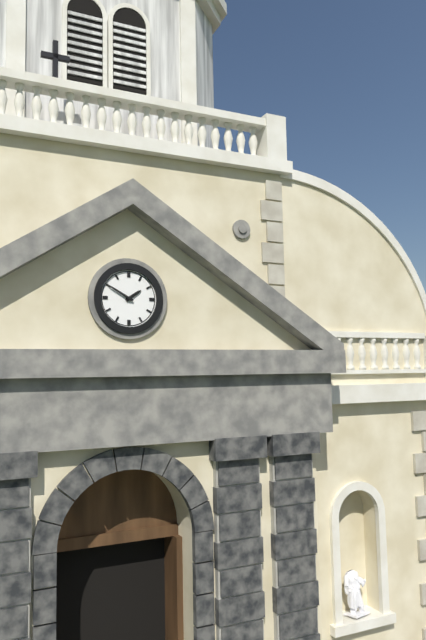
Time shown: **1:50**
